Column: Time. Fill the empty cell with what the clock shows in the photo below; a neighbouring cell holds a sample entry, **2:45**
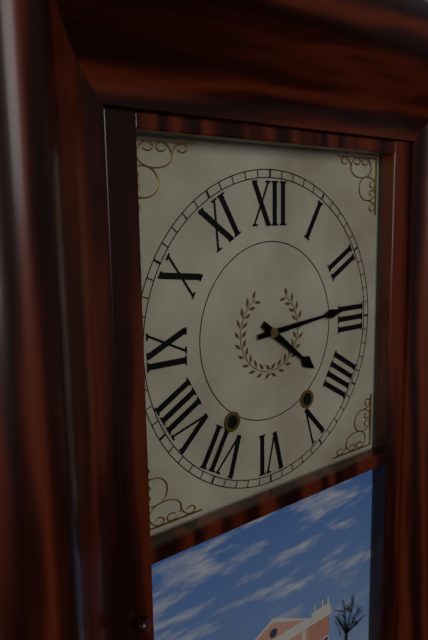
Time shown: **4:14**
